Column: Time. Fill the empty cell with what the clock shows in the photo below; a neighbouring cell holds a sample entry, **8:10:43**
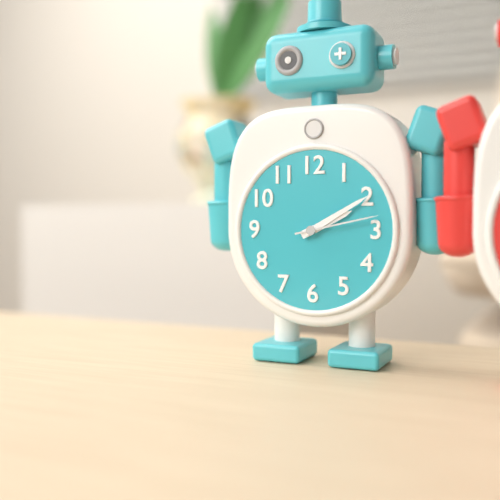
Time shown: **2:10:13**
